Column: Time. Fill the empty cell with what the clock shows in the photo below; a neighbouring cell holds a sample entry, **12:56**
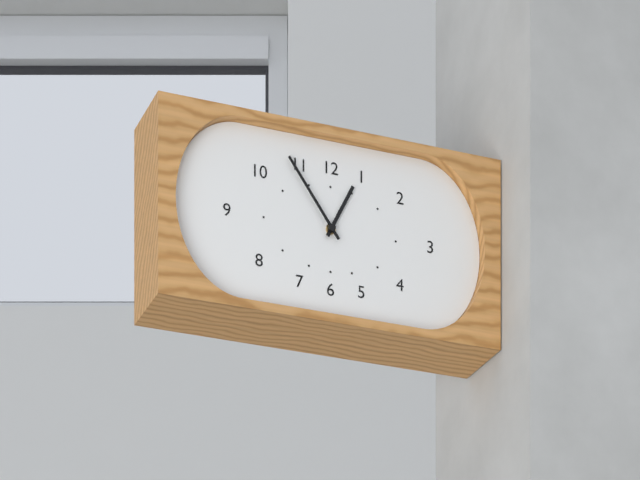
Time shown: **12:54**
